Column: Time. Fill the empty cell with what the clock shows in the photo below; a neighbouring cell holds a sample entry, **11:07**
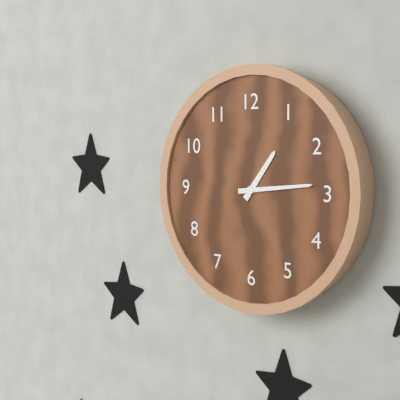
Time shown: **1:14**
